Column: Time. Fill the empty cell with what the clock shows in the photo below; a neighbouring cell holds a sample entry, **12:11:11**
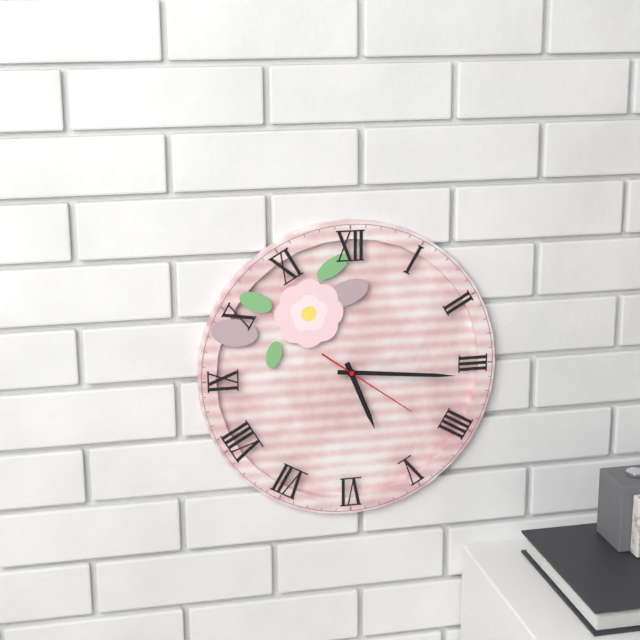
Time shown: **5:16:21**
